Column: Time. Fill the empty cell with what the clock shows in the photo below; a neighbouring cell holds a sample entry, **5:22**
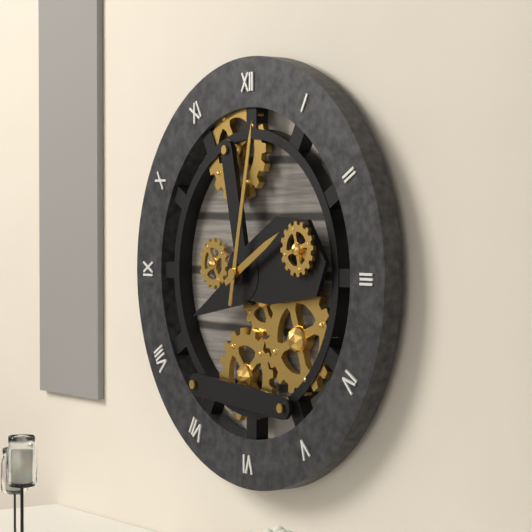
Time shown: **2:02**
